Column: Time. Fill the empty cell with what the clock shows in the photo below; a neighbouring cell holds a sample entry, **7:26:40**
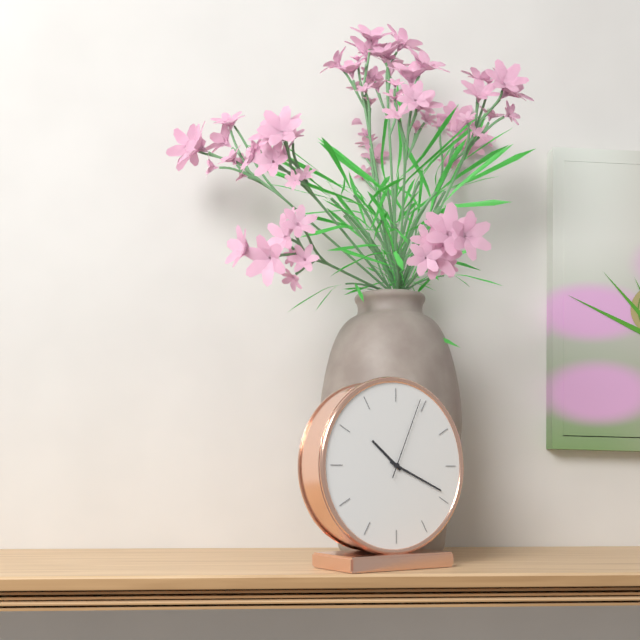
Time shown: **10:19:04**
